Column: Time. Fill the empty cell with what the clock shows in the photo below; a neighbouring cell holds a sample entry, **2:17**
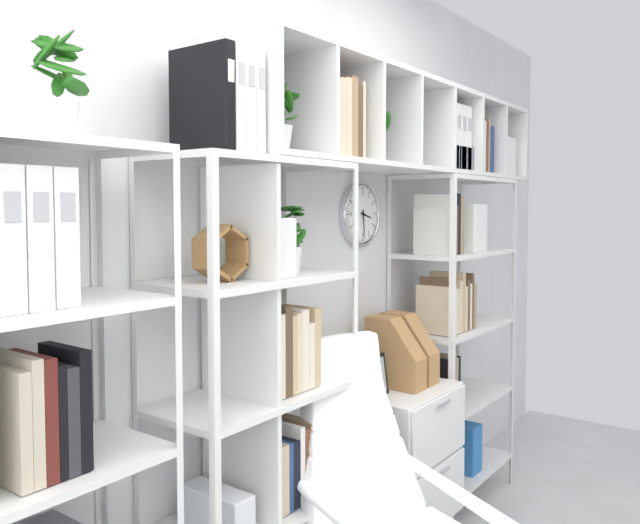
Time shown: **3:29**
